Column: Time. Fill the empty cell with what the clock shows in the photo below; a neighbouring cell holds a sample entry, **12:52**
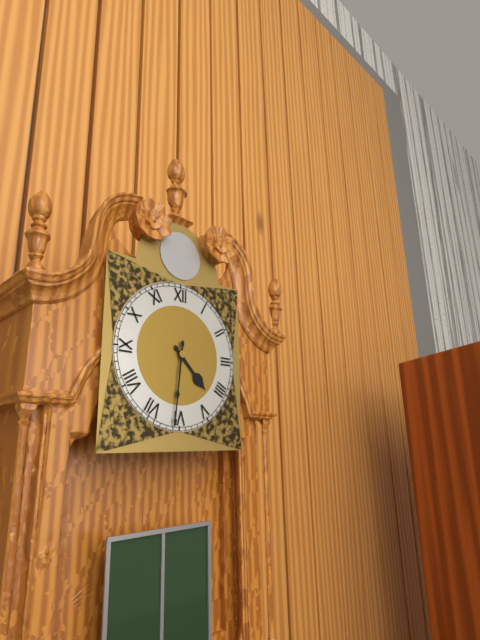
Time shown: **4:31**
